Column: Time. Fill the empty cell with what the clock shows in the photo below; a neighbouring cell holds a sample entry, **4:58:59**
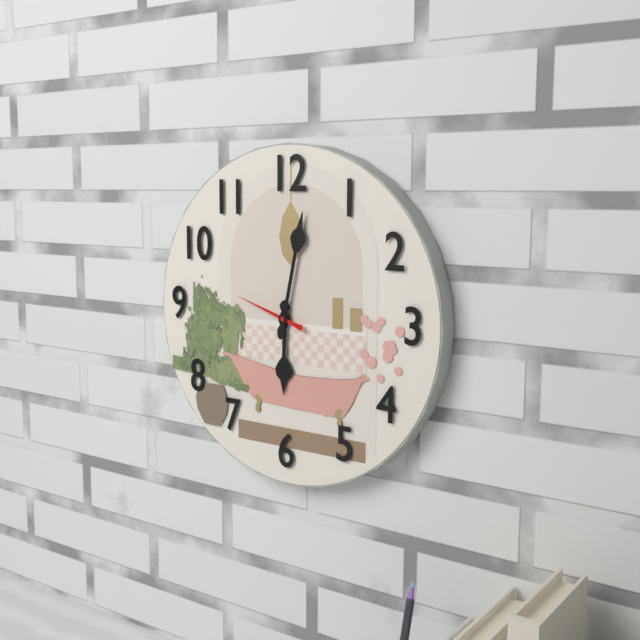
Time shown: **6:02:48**
